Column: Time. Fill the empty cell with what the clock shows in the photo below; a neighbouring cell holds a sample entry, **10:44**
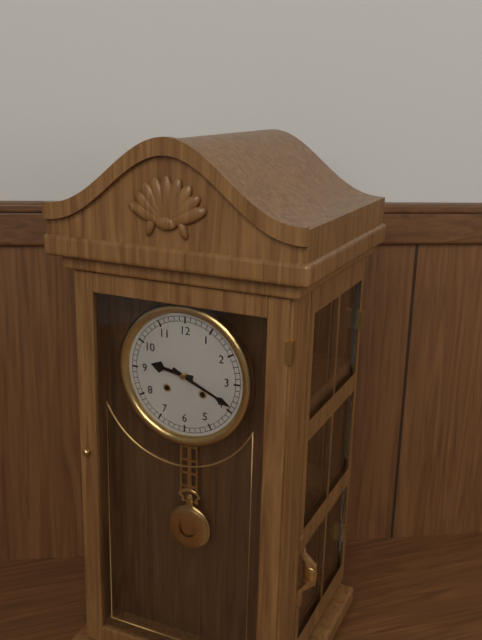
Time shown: **9:19**
